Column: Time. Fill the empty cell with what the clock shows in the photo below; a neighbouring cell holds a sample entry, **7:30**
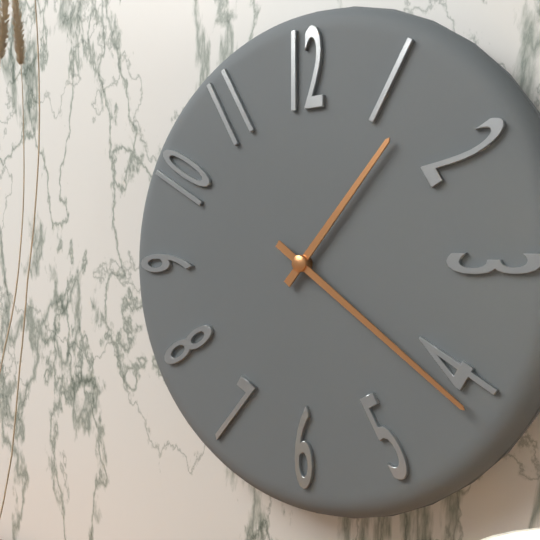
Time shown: **1:21**
